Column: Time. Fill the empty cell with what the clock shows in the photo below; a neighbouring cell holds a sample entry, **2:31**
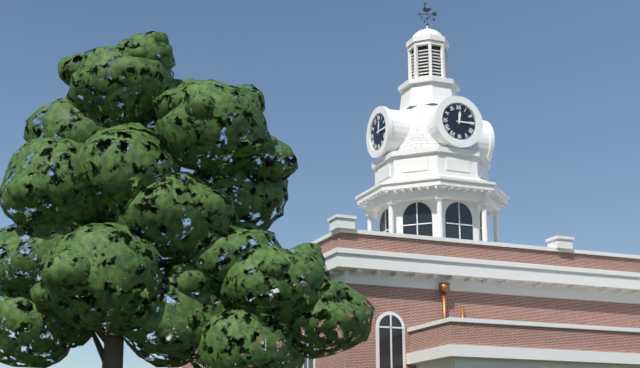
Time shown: **12:15**
